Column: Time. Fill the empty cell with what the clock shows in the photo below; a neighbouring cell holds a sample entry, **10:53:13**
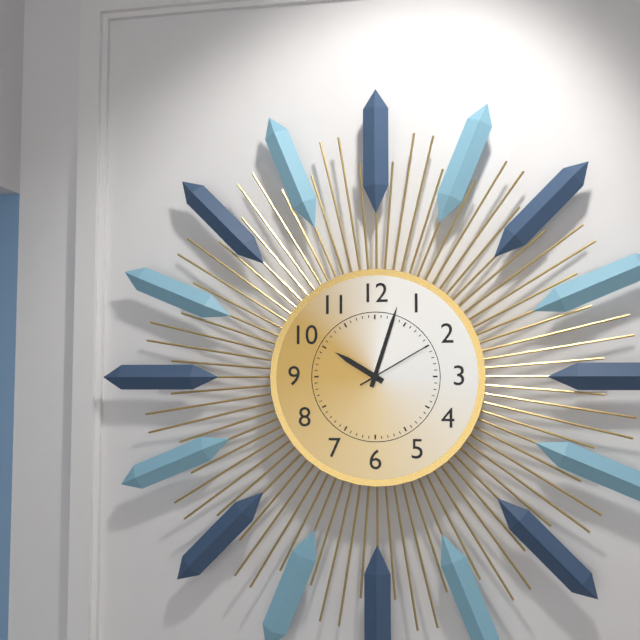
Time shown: **10:03:10**
